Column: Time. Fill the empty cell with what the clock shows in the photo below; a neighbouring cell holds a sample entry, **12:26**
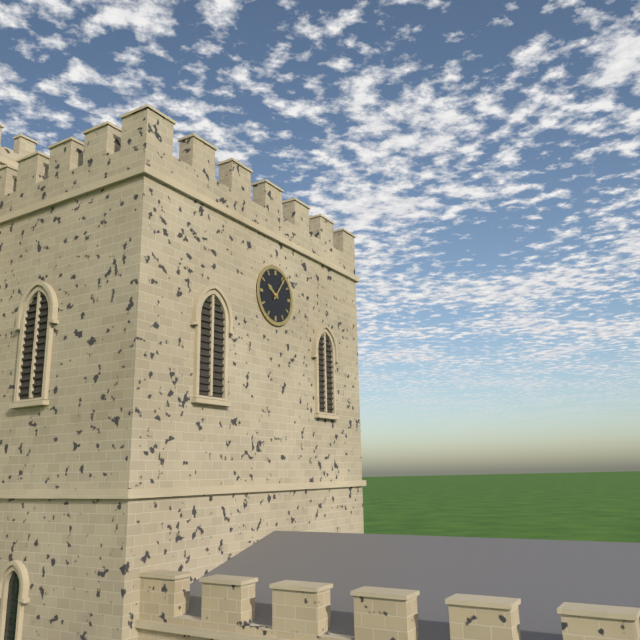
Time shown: **10:06**
